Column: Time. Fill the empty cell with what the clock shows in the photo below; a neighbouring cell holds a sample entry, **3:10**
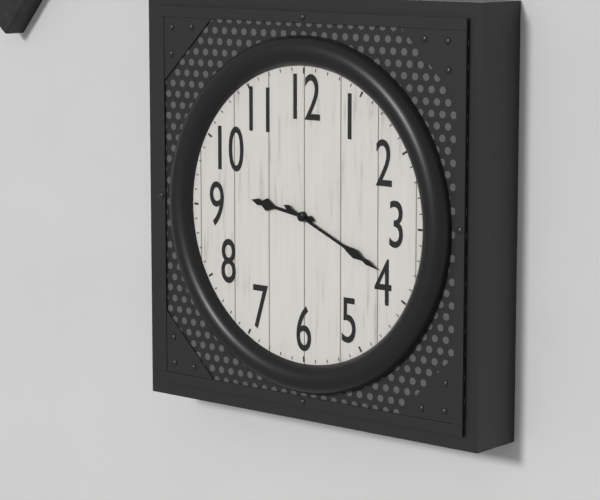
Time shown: **9:19**
